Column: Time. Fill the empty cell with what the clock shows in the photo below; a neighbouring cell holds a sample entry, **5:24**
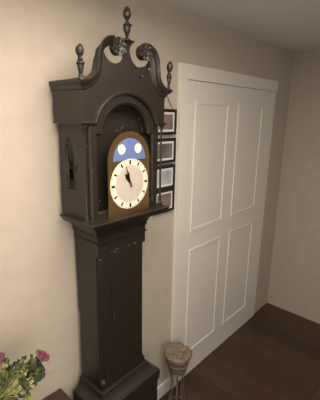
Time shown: **10:57**
